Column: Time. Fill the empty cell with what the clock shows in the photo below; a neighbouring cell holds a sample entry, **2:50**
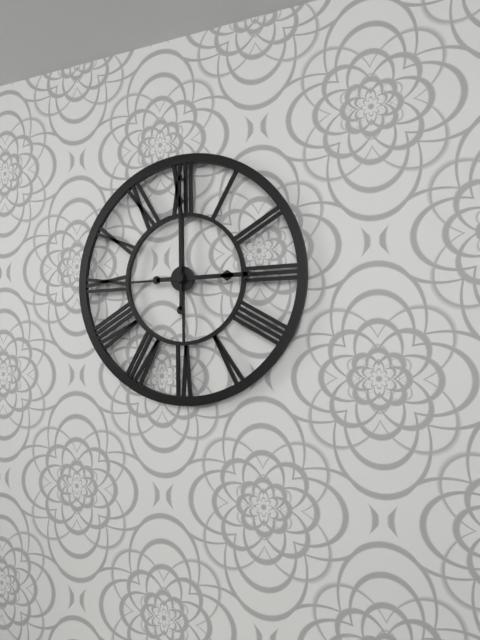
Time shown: **3:00**
